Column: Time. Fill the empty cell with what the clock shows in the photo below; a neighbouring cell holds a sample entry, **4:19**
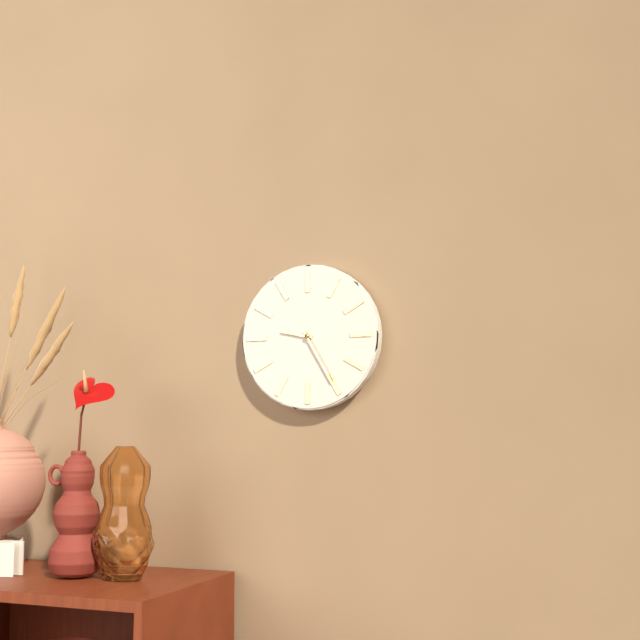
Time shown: **9:25**
